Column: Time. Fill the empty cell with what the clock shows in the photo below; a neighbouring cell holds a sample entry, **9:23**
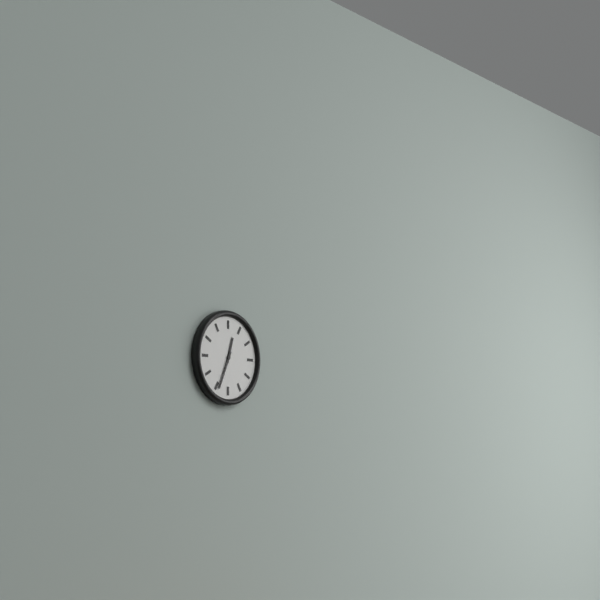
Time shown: **12:34**
